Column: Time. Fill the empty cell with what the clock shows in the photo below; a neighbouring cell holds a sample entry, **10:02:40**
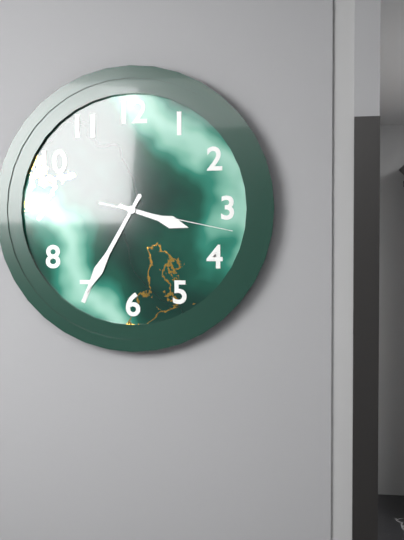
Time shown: **3:35:17**
